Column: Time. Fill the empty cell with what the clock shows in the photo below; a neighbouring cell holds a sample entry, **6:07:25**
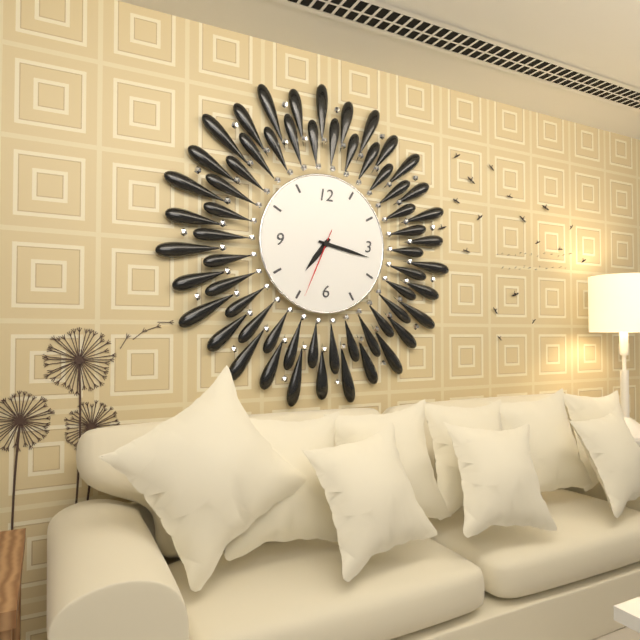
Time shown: **7:17:34**
